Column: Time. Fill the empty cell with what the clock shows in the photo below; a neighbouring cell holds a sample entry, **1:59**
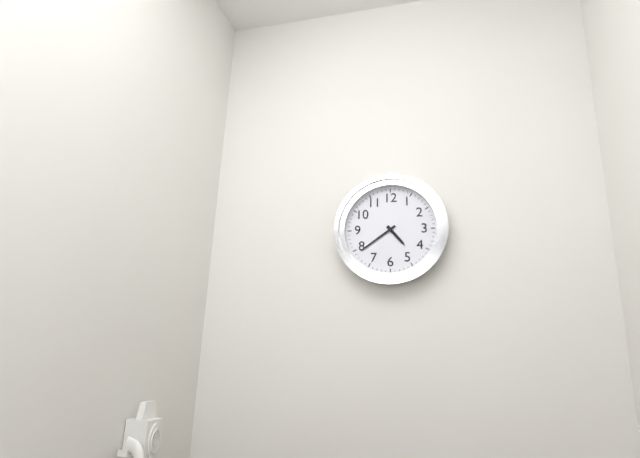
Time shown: **4:39**
